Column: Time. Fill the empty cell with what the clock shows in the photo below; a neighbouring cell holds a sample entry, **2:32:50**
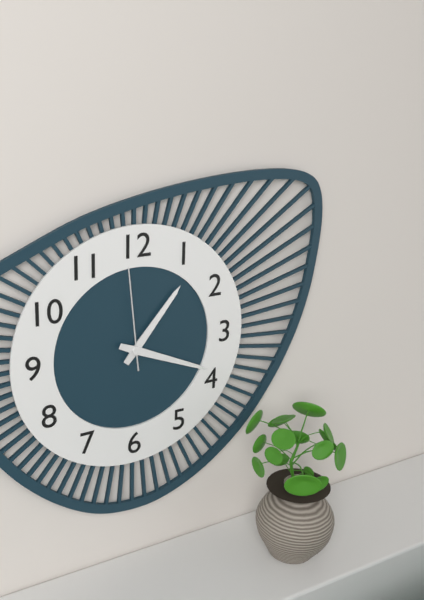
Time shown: **1:19:59**
